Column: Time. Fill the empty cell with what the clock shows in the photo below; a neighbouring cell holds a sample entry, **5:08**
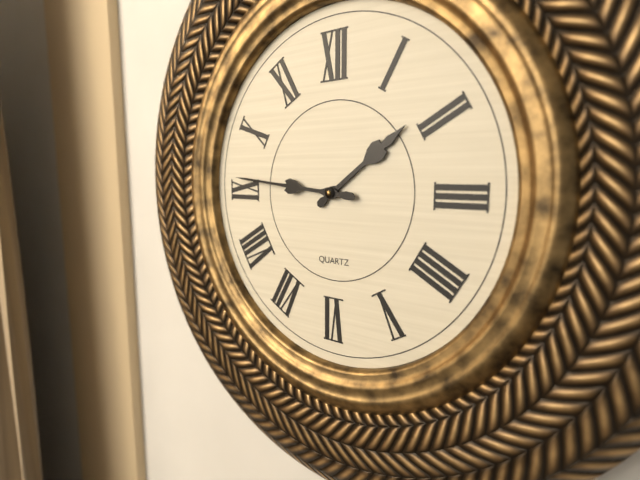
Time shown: **1:46**
